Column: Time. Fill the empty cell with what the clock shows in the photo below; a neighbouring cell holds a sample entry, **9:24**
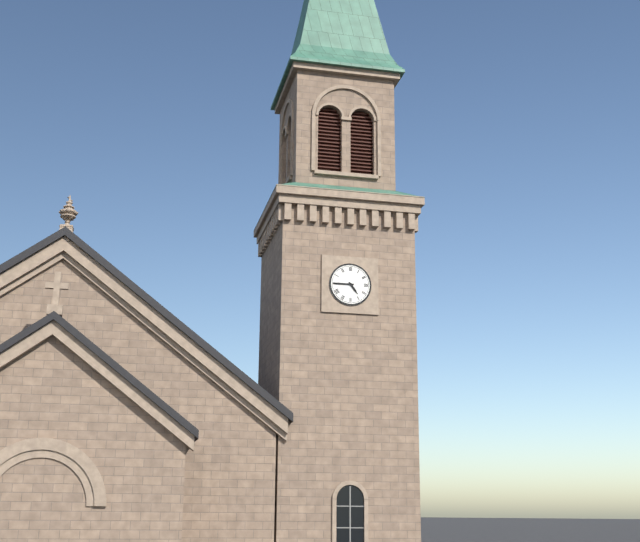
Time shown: **4:45**
